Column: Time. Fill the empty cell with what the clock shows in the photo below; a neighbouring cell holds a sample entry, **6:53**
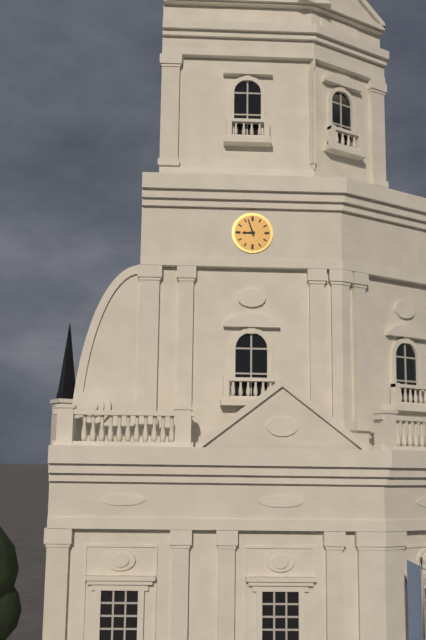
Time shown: **8:57**
